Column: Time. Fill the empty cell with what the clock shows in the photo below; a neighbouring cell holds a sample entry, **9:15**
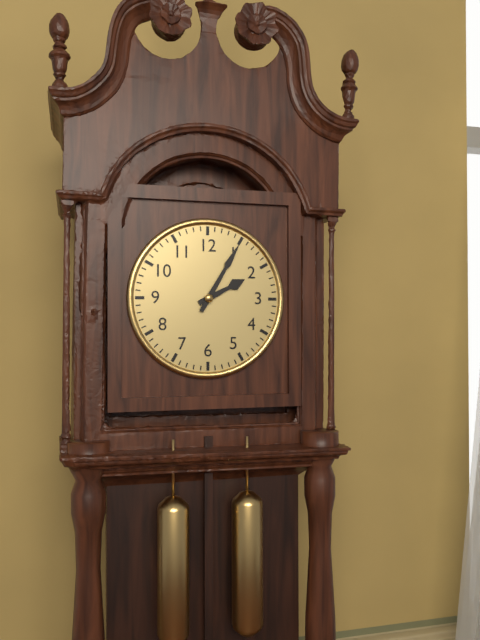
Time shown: **2:05**
